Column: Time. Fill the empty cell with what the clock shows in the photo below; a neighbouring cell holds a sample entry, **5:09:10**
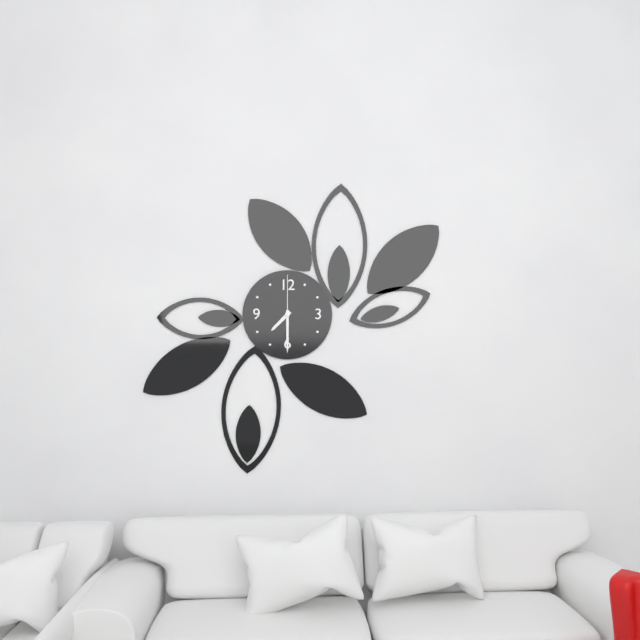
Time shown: **7:30:00**
